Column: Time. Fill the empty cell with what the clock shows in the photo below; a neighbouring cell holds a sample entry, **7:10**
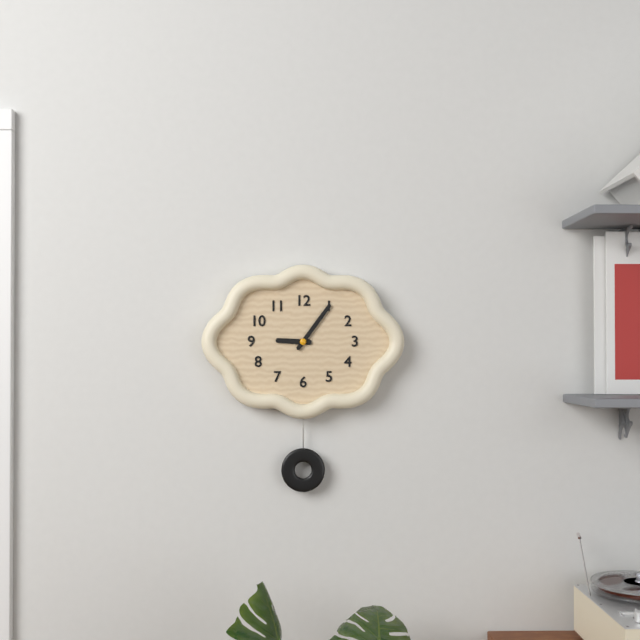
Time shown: **9:06**
